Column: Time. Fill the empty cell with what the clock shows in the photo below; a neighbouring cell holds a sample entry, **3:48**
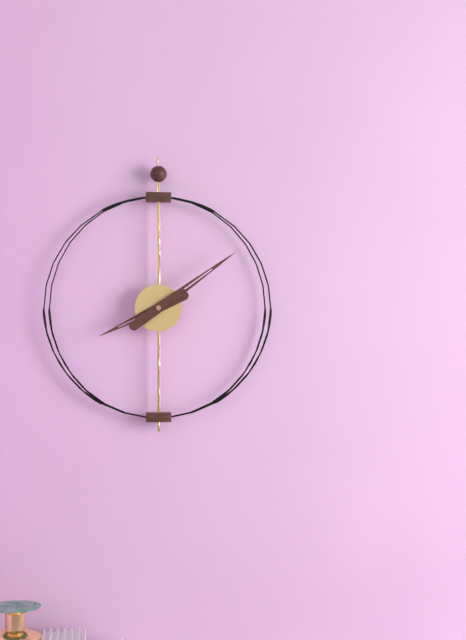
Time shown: **8:09**
